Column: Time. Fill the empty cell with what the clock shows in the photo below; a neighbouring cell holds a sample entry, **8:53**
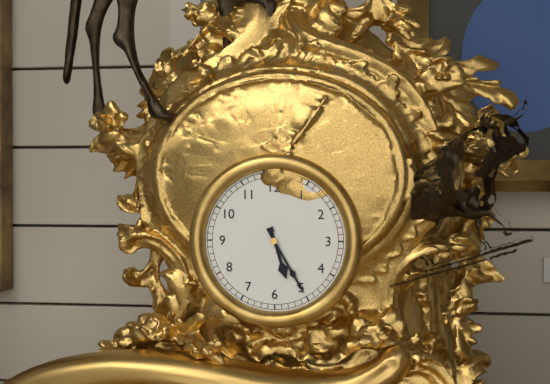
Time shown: **5:25**
